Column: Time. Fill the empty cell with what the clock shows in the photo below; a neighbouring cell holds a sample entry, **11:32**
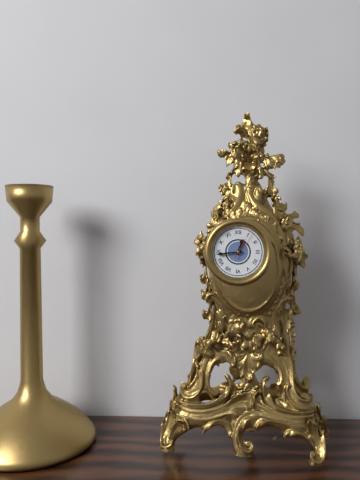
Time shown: **12:44**
